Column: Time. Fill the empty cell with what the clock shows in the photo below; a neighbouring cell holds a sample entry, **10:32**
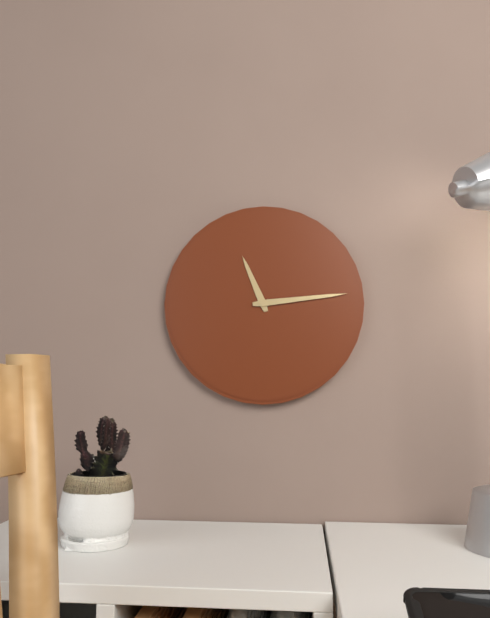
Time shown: **11:14**
